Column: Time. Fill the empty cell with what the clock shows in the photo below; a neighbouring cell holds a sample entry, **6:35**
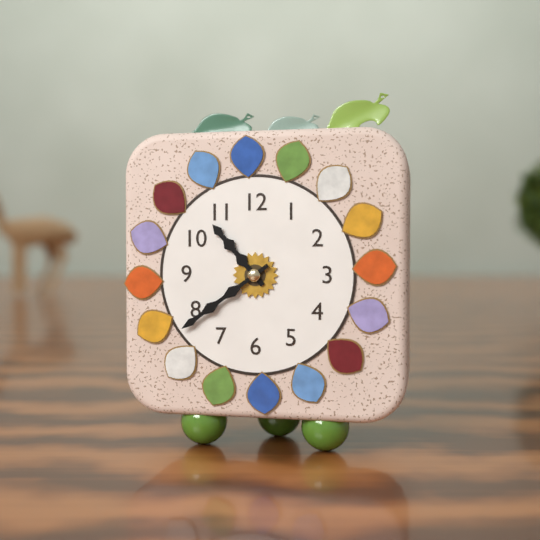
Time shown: **10:39**
